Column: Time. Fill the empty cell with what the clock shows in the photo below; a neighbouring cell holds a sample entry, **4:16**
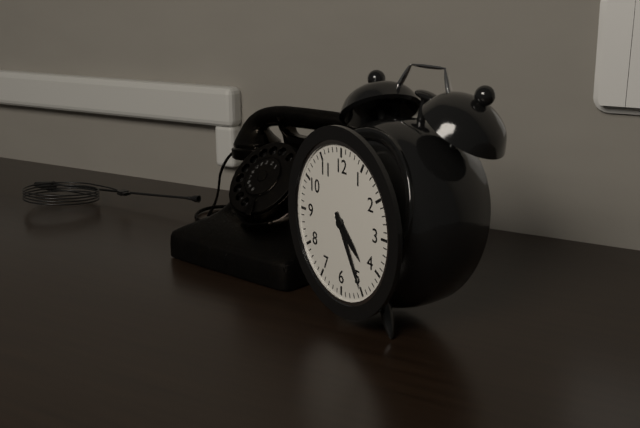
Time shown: **4:25**
